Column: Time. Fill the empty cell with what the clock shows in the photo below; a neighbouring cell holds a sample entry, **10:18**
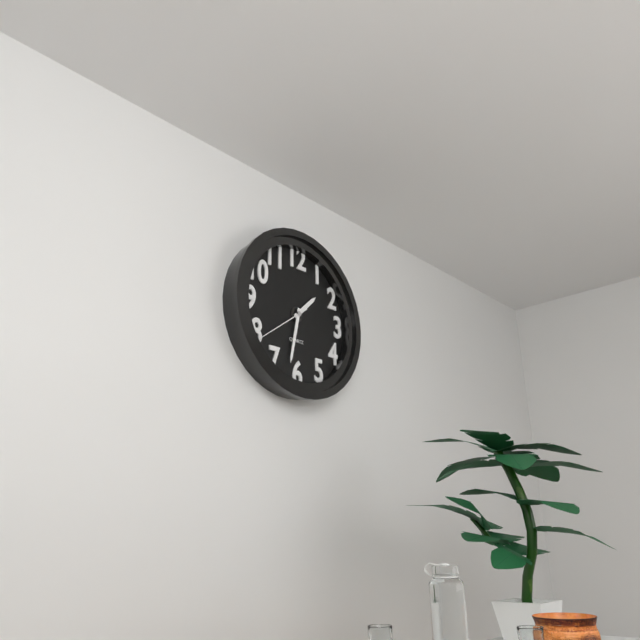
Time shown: **1:32**
